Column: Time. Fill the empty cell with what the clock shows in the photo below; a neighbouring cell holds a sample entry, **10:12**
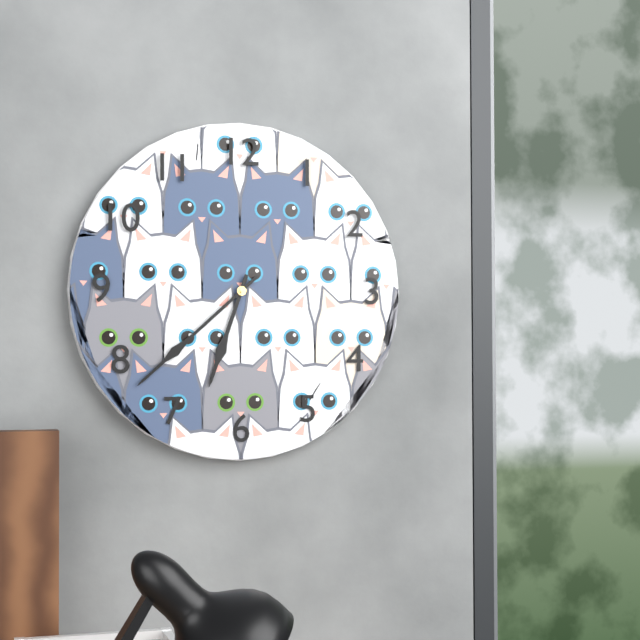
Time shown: **6:38**
